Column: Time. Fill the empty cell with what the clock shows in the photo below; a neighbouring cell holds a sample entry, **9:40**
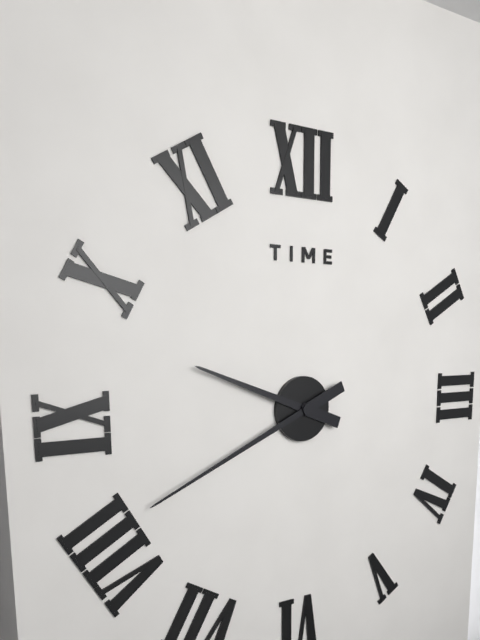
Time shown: **9:41**
